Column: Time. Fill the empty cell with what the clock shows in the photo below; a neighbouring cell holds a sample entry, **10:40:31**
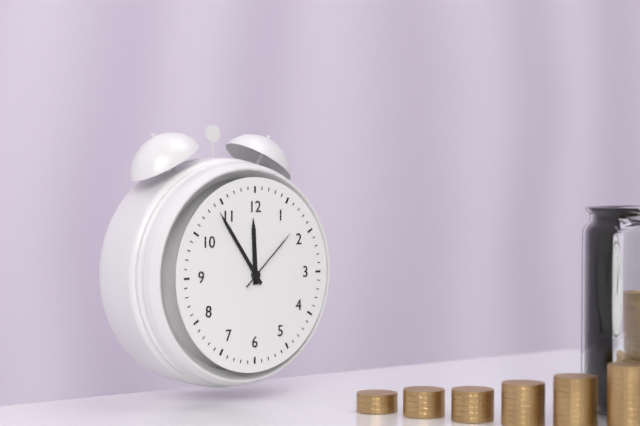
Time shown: **11:54:08**
